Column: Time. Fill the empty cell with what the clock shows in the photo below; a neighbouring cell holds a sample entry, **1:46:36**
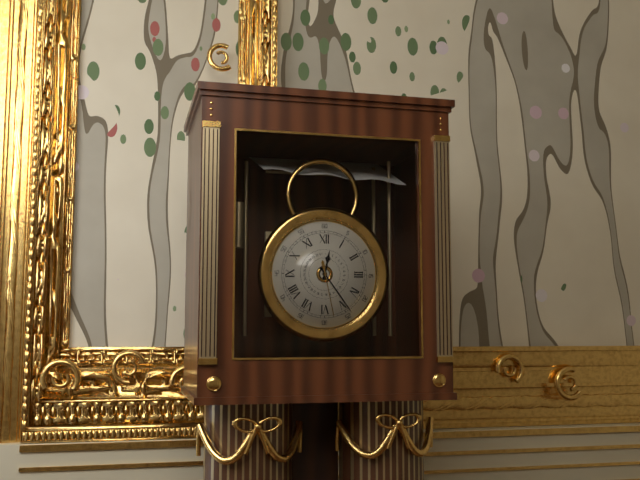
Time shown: **12:24:28**
